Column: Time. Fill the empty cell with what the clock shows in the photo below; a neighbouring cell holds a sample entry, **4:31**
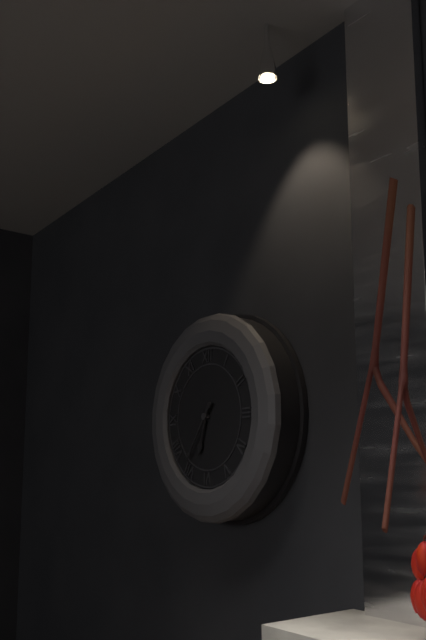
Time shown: **6:36**
